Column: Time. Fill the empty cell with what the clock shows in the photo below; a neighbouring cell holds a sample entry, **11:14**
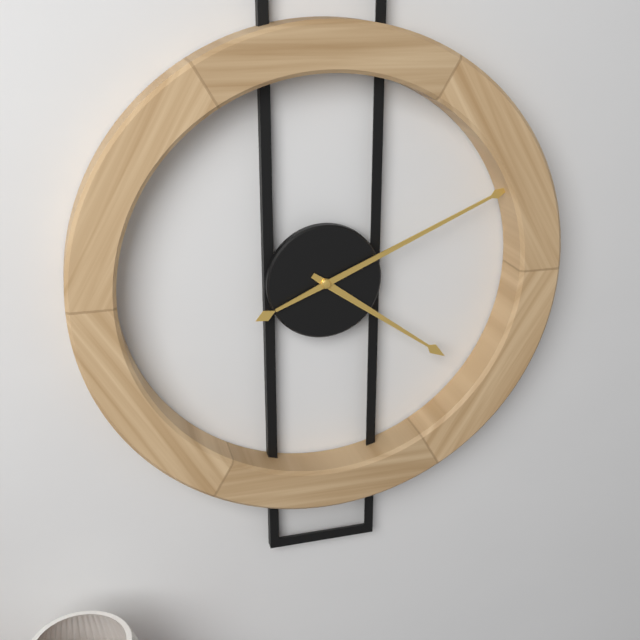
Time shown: **4:11**
